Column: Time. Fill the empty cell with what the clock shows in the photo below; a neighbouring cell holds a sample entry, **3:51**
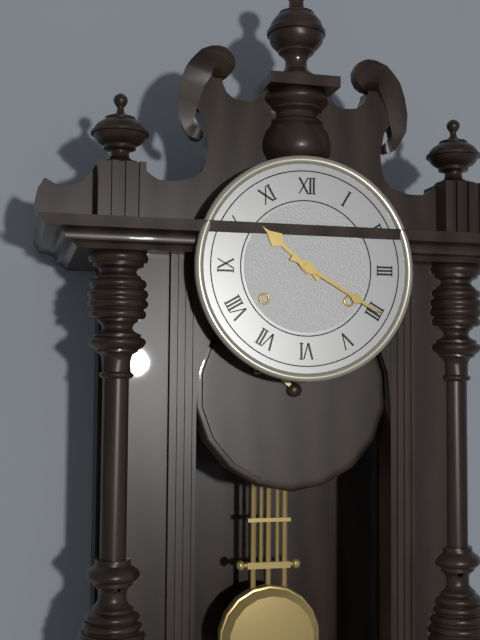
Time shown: **10:20**
